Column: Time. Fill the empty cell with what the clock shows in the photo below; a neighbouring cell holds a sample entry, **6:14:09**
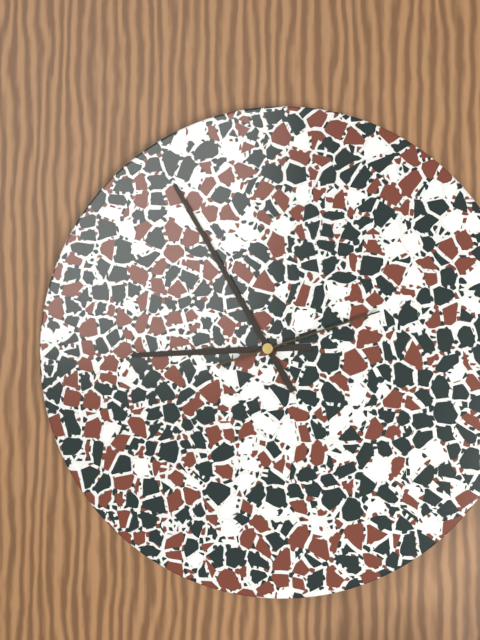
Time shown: **8:55:12**
